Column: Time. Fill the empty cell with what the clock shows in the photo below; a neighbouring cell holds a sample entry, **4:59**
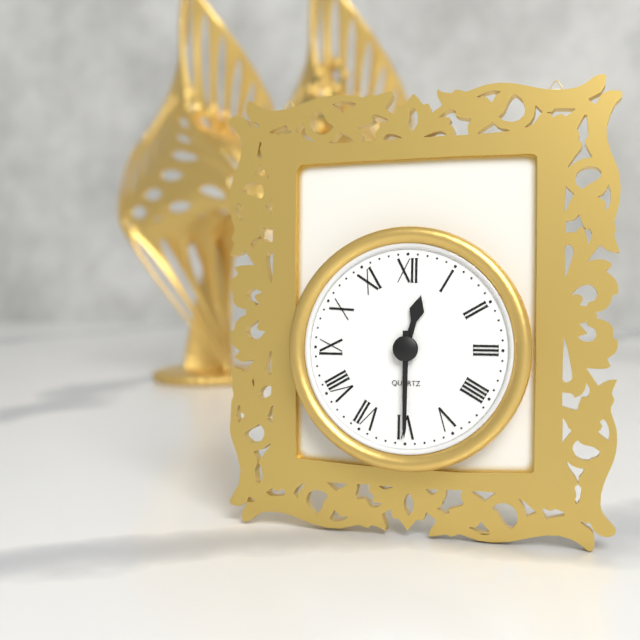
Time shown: **12:30**
